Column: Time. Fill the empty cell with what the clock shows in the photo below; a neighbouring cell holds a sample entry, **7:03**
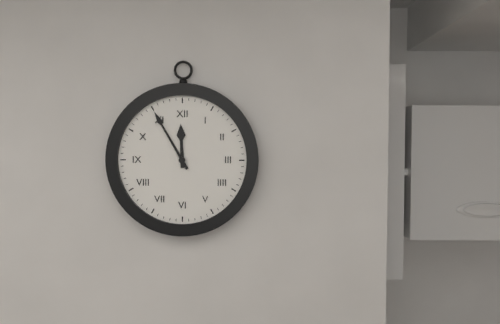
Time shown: **11:55**
